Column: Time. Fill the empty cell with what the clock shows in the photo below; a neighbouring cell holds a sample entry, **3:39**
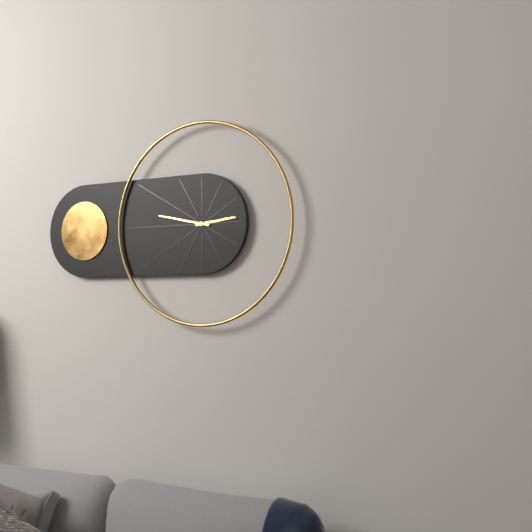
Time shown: **2:47**
